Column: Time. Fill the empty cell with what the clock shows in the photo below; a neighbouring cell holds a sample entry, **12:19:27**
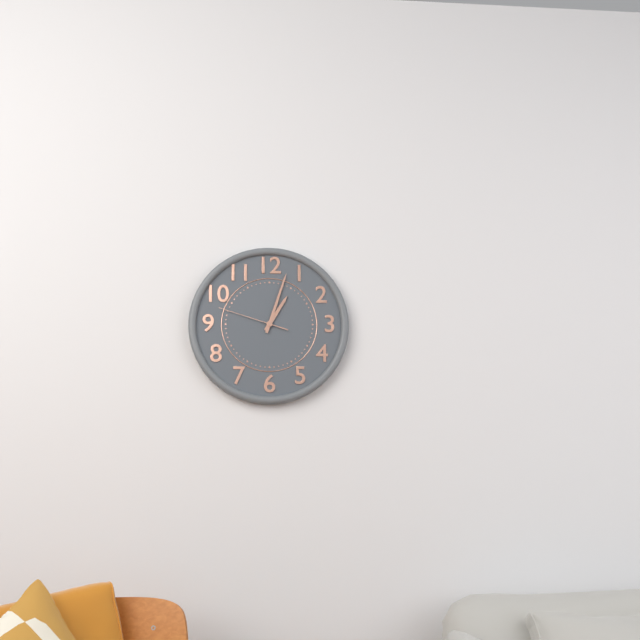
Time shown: **1:03:48**
